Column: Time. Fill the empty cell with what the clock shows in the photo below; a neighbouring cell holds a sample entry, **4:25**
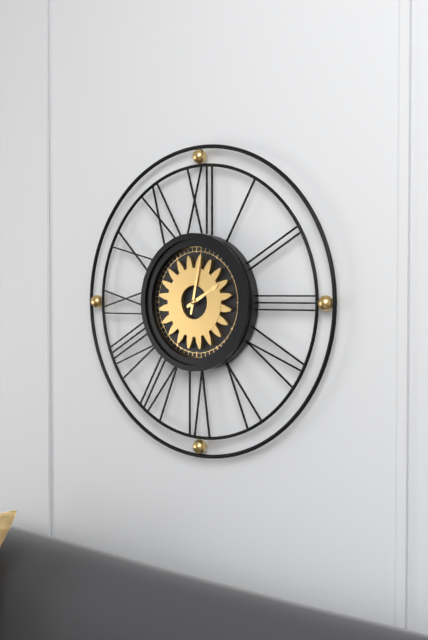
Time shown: **2:02**
